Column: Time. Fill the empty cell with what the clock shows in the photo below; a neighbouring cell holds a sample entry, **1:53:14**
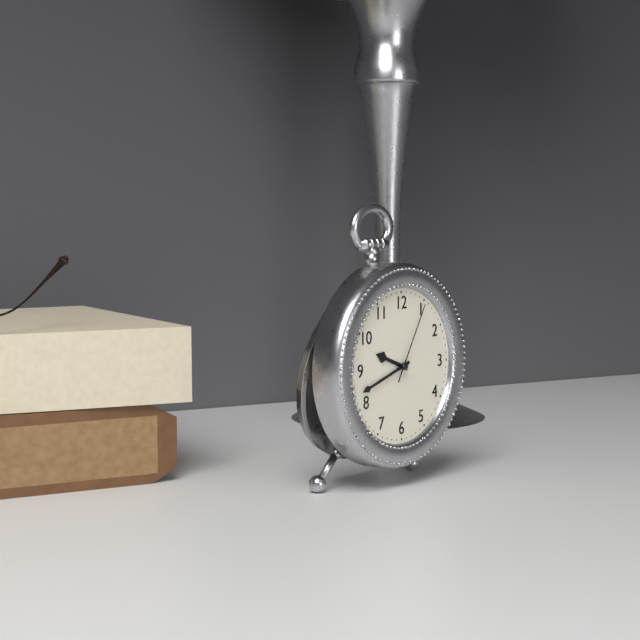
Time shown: **9:42:05**
